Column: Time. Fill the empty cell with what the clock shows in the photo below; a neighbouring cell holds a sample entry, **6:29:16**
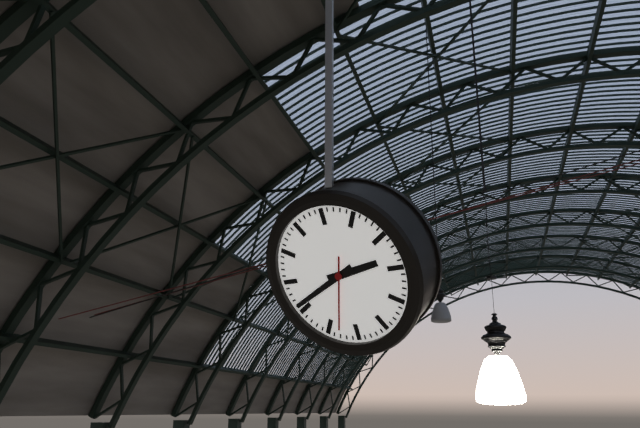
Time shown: **2:41:33**
